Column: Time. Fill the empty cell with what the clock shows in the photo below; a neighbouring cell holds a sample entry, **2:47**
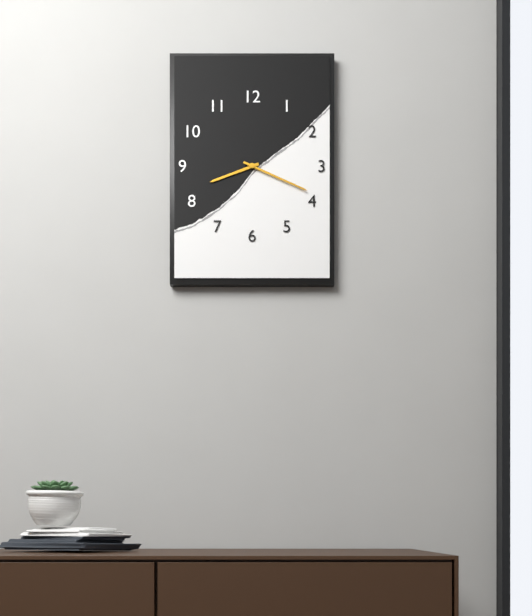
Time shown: **8:19**
